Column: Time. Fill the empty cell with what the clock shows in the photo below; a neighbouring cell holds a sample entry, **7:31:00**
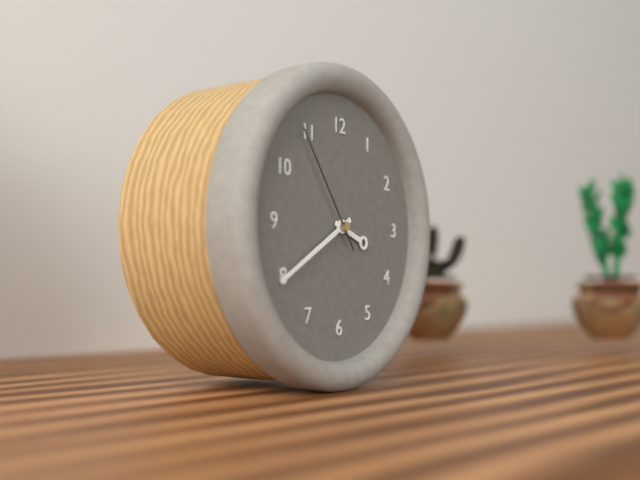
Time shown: **3:40:54**
